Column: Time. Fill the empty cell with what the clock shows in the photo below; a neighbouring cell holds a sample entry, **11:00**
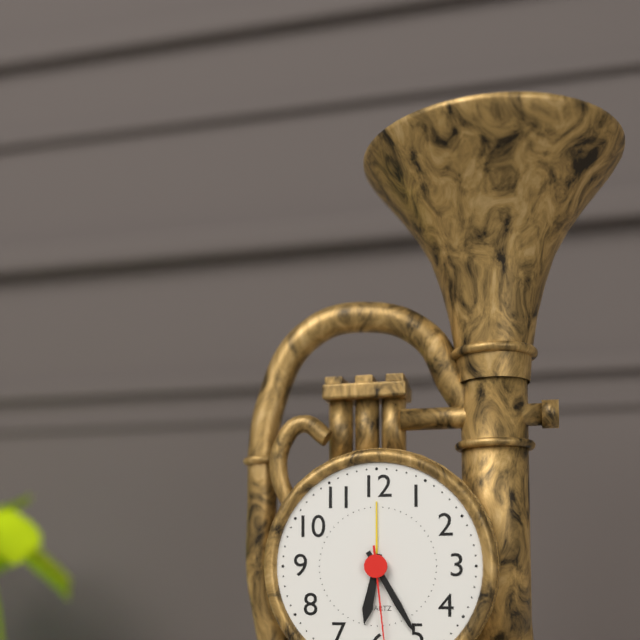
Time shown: **6:25**
